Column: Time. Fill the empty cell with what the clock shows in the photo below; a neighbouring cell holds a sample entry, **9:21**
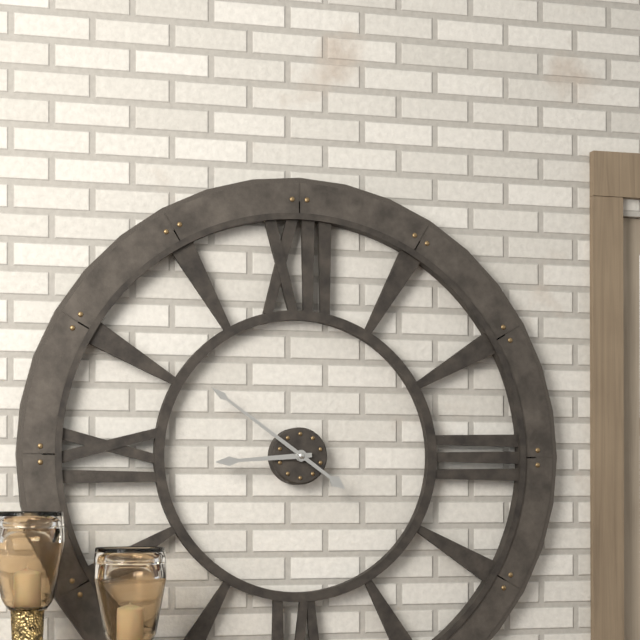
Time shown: **8:51**
